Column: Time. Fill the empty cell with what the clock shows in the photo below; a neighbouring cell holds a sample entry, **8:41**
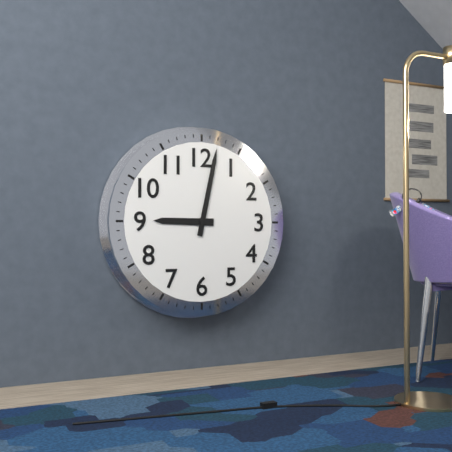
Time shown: **9:02**
